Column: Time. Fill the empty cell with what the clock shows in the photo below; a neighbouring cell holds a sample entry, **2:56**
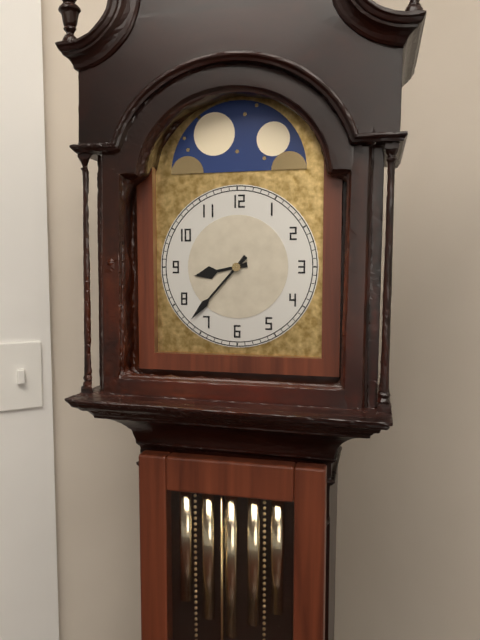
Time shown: **8:37**
